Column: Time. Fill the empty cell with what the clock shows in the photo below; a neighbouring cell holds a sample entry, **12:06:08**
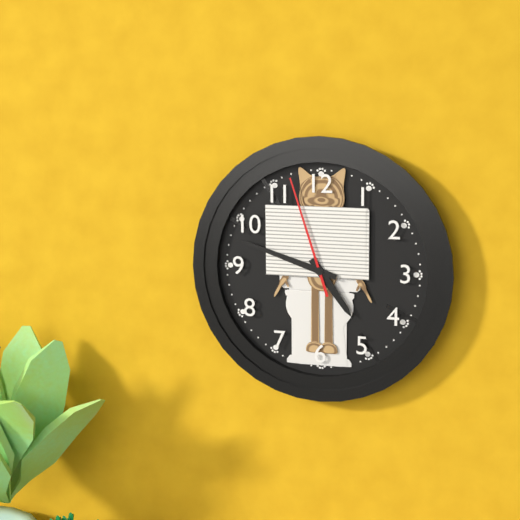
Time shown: **4:48:57**
